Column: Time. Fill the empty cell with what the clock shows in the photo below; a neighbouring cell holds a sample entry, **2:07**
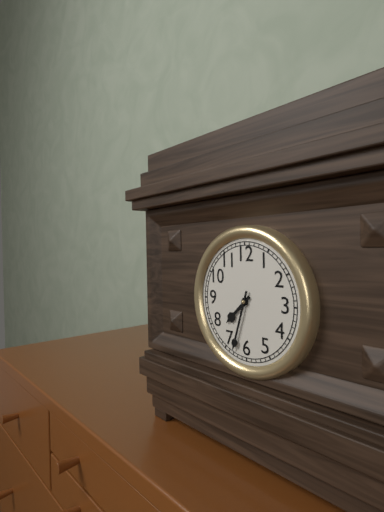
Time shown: **7:33**
